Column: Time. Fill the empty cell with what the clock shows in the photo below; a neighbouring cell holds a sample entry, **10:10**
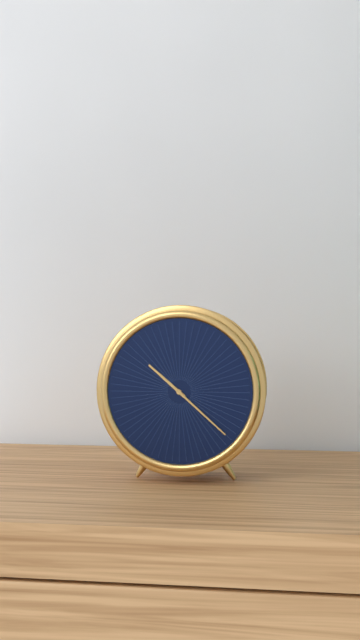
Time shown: **10:22**
